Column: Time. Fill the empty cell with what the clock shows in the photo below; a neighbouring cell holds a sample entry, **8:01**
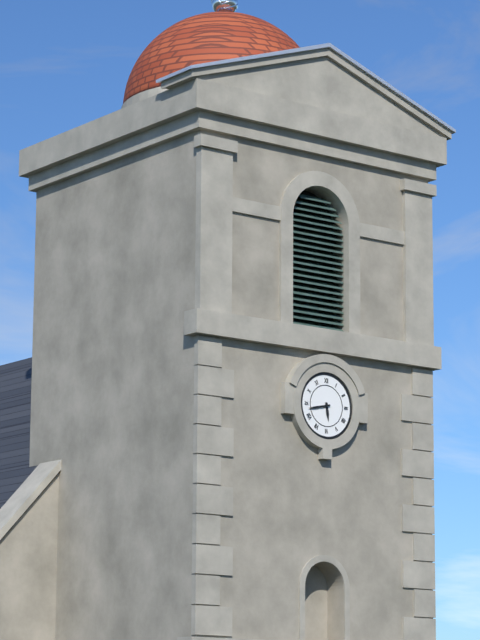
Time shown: **5:43**
